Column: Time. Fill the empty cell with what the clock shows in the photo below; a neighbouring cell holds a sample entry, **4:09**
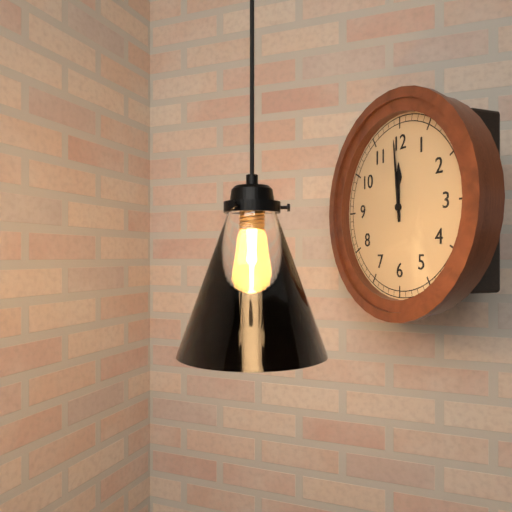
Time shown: **11:59**
